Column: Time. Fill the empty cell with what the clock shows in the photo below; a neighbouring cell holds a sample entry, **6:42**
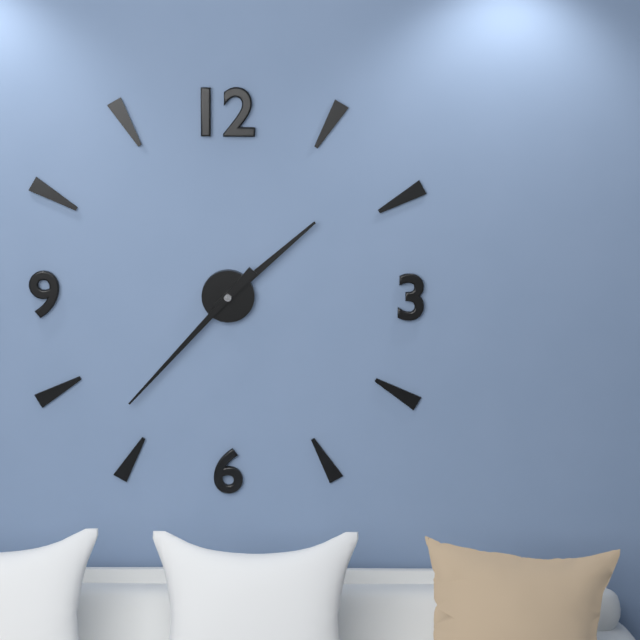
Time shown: **1:37**
